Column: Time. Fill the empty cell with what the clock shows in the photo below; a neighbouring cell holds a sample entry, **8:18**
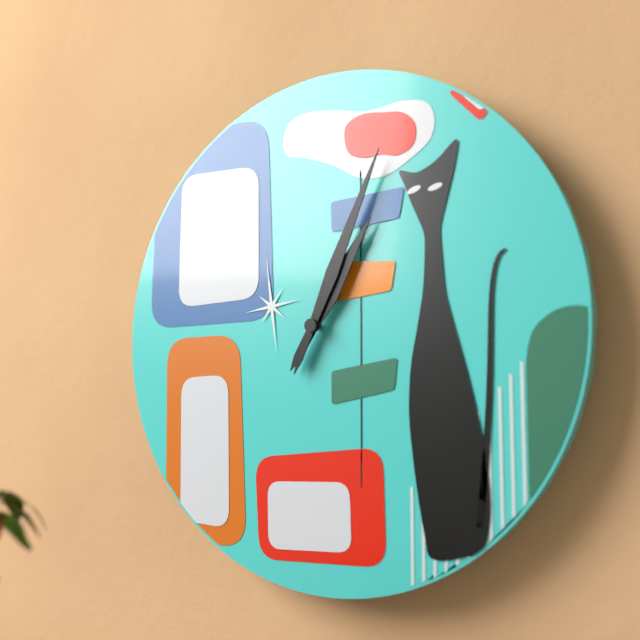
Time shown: **1:04**
